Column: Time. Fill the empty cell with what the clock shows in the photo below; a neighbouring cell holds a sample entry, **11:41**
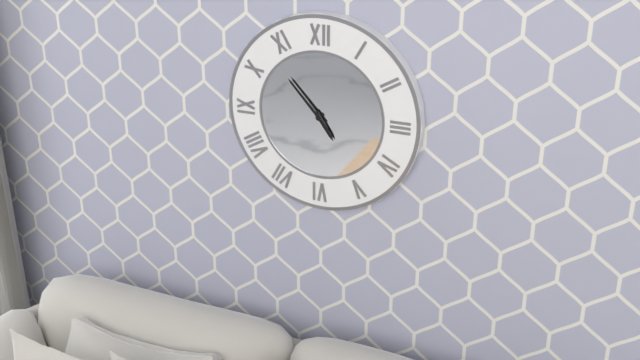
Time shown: **4:53**
